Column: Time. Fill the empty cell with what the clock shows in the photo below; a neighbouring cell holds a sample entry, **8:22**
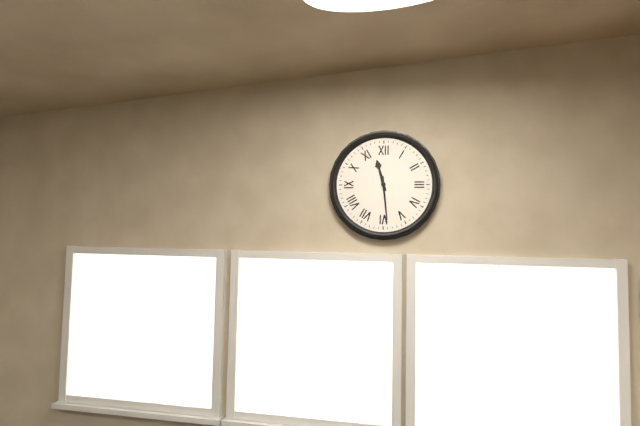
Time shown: **11:29**
